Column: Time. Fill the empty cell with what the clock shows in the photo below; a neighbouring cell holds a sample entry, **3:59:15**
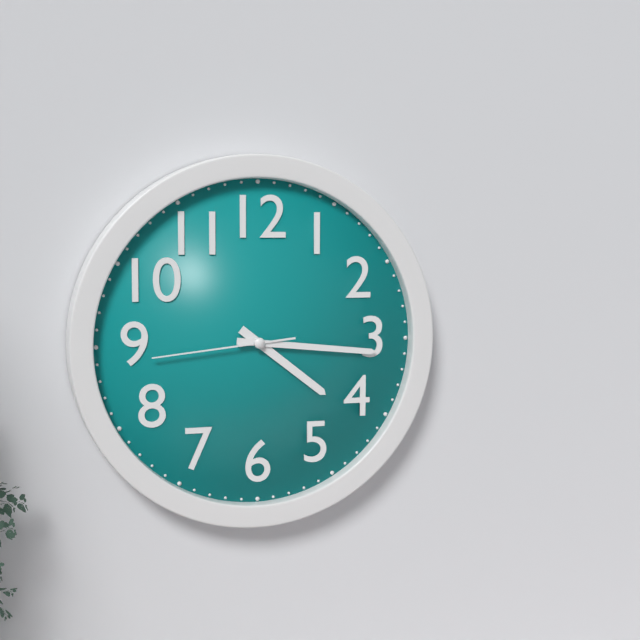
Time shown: **4:16:44**
